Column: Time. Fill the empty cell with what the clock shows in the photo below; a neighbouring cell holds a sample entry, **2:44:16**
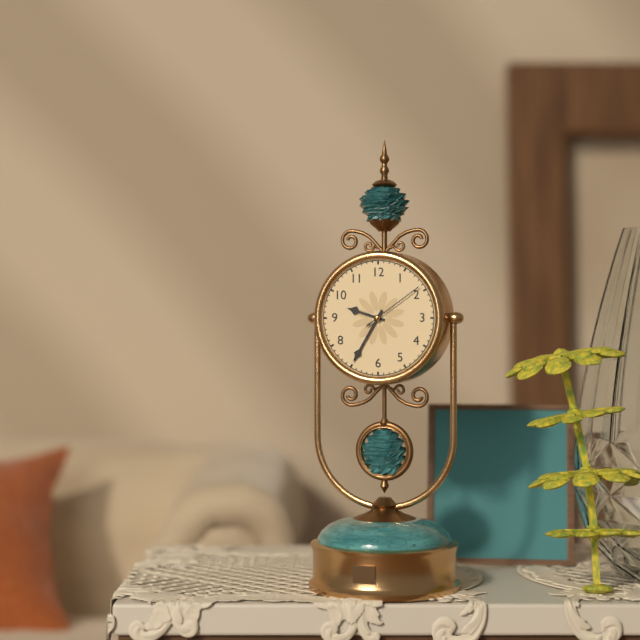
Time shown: **9:35:09**
